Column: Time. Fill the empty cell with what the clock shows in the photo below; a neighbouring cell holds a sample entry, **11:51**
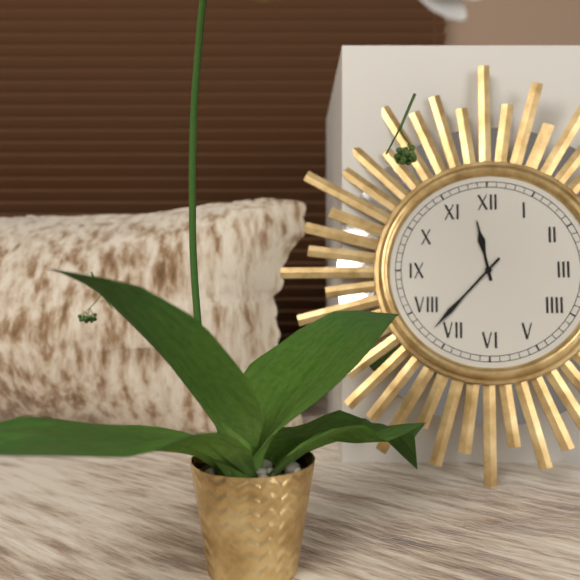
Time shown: **11:37**
